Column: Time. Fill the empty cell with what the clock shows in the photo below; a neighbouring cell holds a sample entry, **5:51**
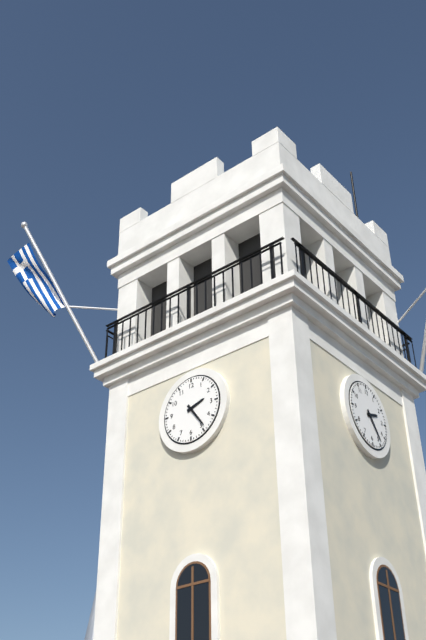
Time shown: **2:24**
